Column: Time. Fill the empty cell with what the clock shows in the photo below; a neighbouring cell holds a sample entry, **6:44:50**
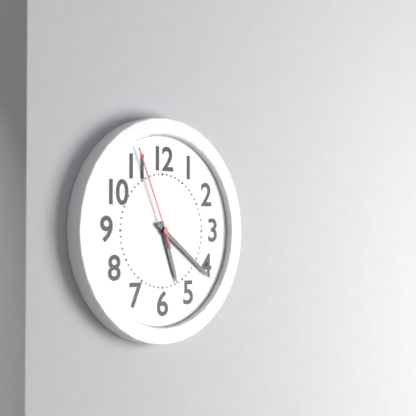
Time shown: **5:21:56**
